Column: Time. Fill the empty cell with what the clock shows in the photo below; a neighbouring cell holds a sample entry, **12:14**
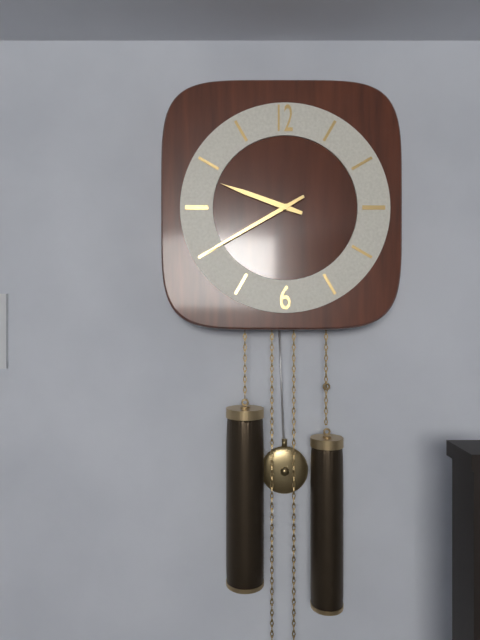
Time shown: **9:40**
